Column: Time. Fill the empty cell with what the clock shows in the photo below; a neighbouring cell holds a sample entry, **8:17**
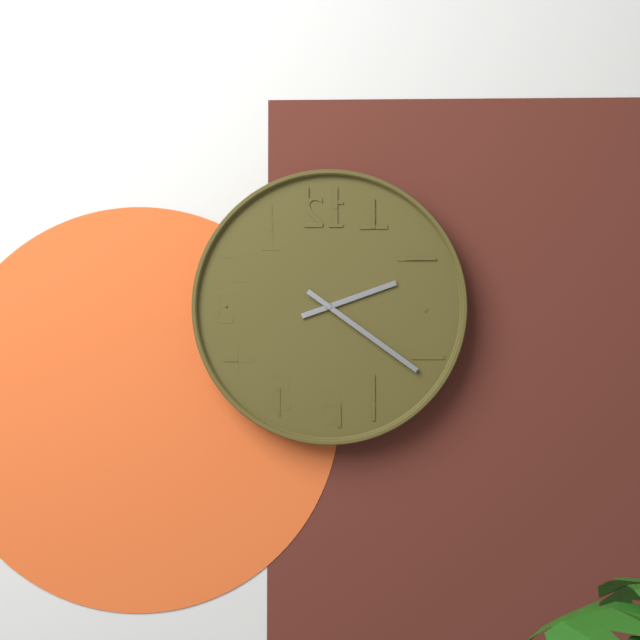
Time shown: **2:21**
